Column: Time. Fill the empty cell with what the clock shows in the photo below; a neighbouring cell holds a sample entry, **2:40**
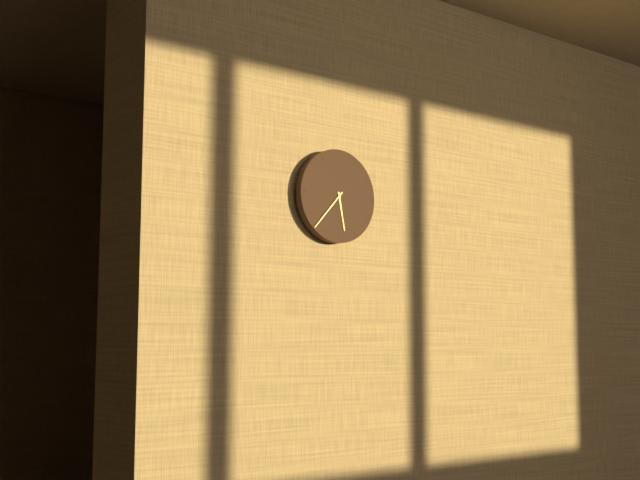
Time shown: **5:37**
